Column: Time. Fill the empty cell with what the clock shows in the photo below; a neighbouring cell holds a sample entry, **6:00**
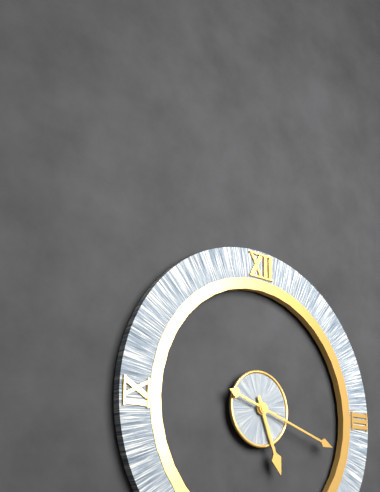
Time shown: **5:18**
